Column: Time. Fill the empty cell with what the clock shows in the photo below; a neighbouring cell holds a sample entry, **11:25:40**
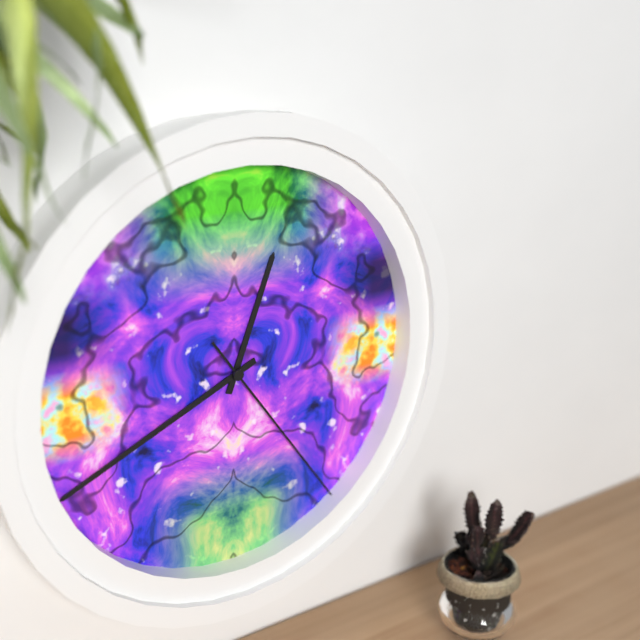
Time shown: **12:41:24**
